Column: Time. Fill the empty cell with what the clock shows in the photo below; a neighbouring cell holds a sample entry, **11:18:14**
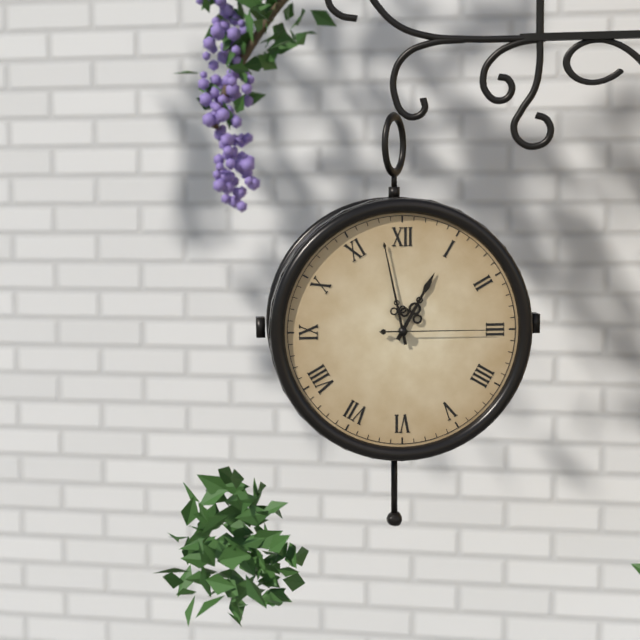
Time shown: **12:58:15**
